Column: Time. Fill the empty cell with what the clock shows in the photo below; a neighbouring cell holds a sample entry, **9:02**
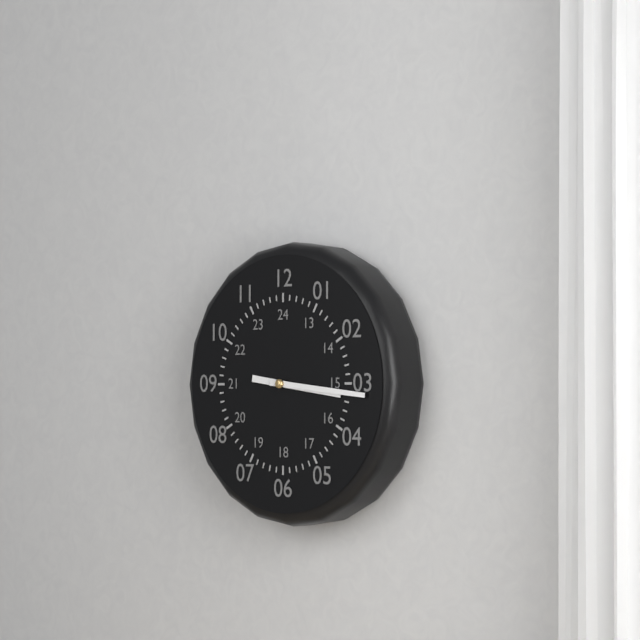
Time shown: **3:16**
